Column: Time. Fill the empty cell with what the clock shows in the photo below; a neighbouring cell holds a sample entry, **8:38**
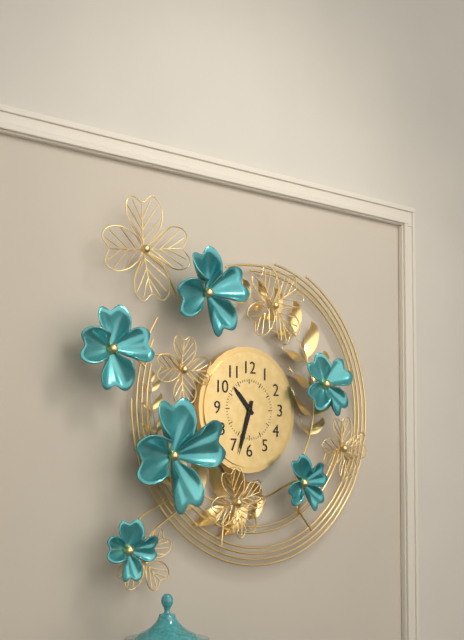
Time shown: **10:33**
